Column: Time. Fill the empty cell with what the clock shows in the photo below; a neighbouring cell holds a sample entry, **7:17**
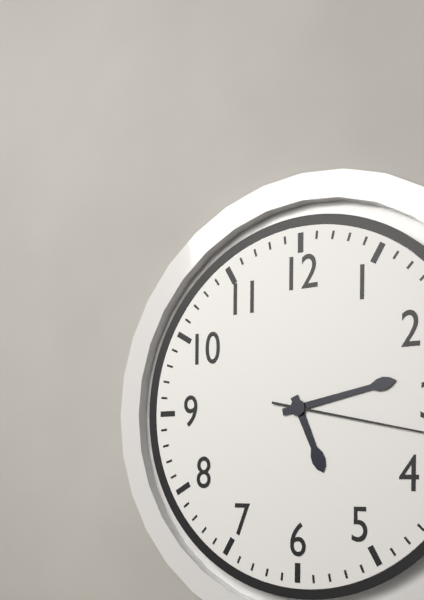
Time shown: **5:13**
